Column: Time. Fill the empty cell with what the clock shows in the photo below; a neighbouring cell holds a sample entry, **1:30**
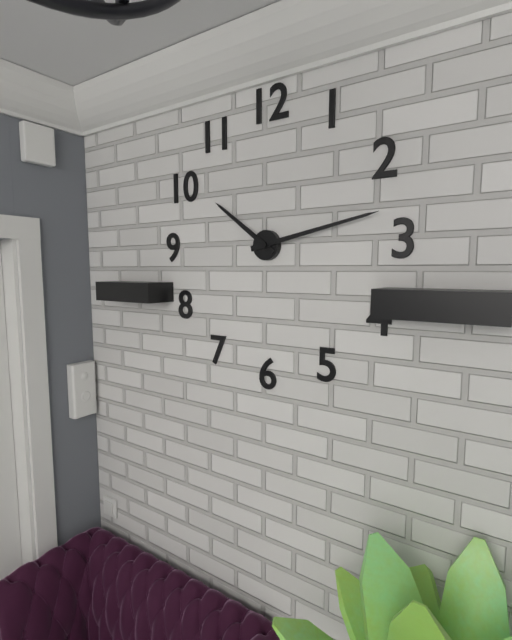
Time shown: **10:13**
